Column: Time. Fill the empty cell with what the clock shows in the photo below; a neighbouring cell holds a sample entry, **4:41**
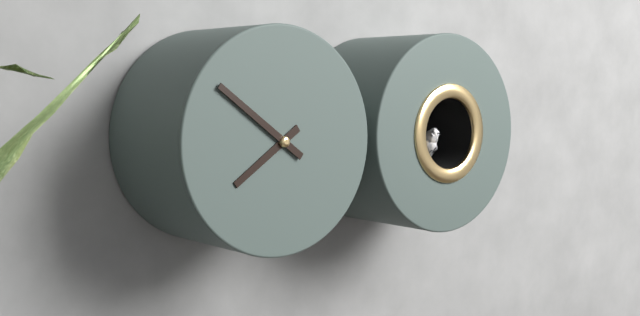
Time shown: **7:51**
